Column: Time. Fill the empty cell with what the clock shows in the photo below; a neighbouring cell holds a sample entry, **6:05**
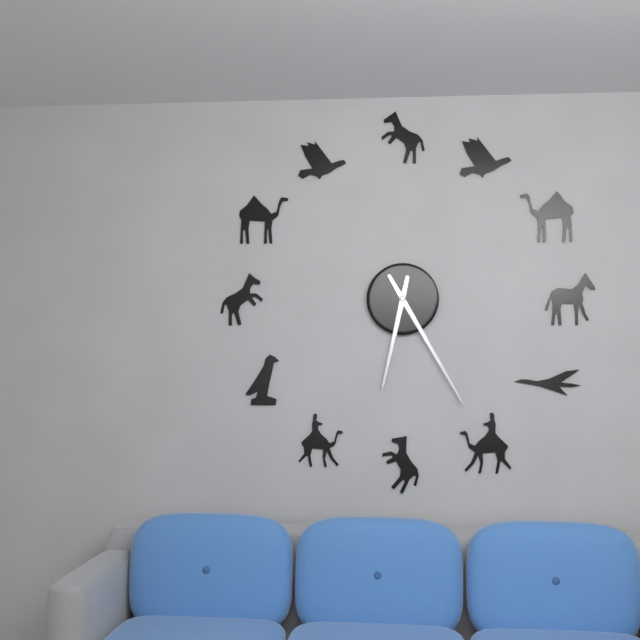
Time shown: **6:25**
